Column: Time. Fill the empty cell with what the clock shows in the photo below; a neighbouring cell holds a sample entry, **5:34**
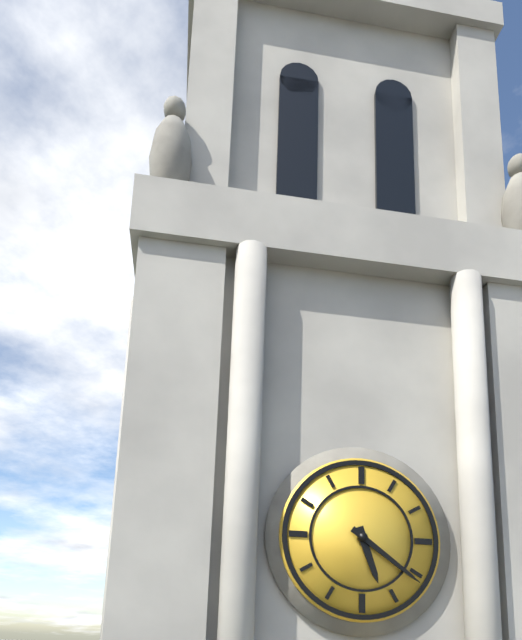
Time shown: **5:21**
